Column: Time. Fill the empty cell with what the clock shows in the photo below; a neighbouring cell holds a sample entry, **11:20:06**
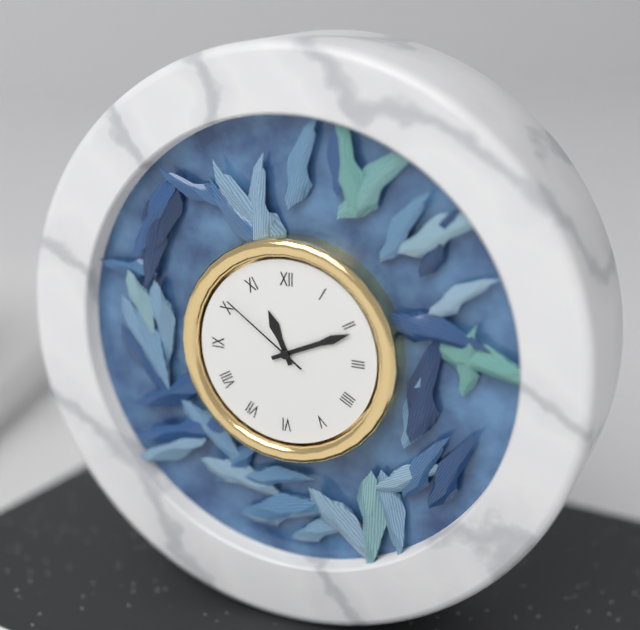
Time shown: **11:11:51**
